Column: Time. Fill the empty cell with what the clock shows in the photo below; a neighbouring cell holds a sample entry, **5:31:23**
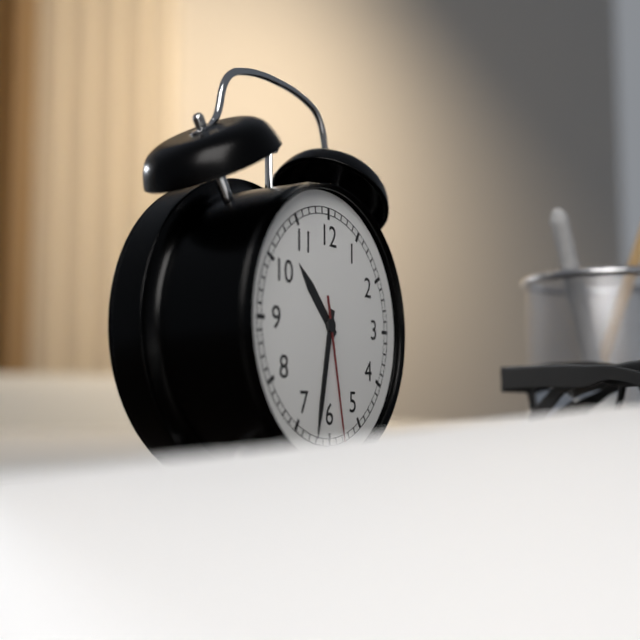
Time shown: **10:32:28**
